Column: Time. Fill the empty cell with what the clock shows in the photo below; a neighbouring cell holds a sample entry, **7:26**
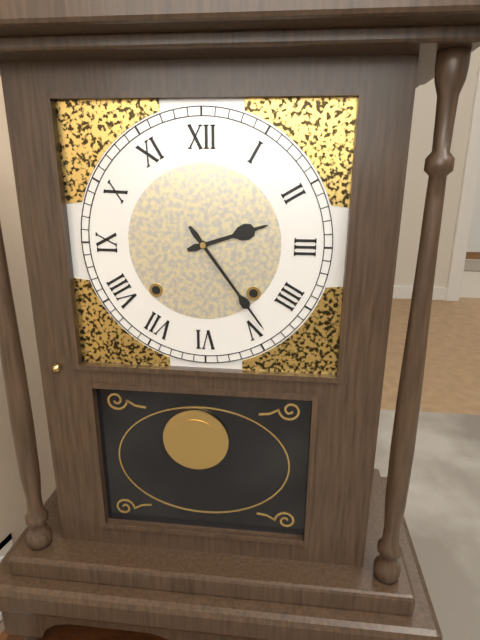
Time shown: **2:24**
